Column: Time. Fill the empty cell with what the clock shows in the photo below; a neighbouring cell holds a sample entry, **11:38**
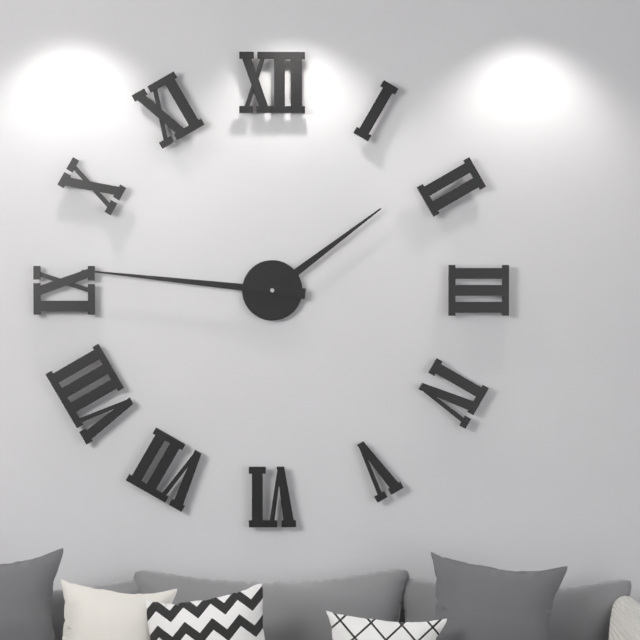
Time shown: **1:46**
